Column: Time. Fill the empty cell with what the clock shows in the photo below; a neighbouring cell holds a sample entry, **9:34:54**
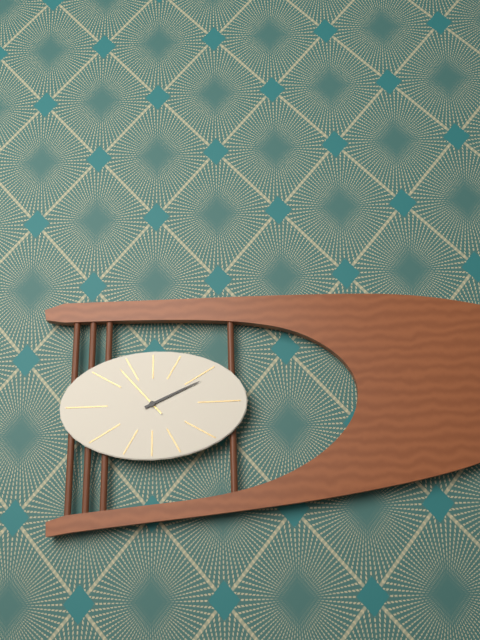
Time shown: **2:11:53**
